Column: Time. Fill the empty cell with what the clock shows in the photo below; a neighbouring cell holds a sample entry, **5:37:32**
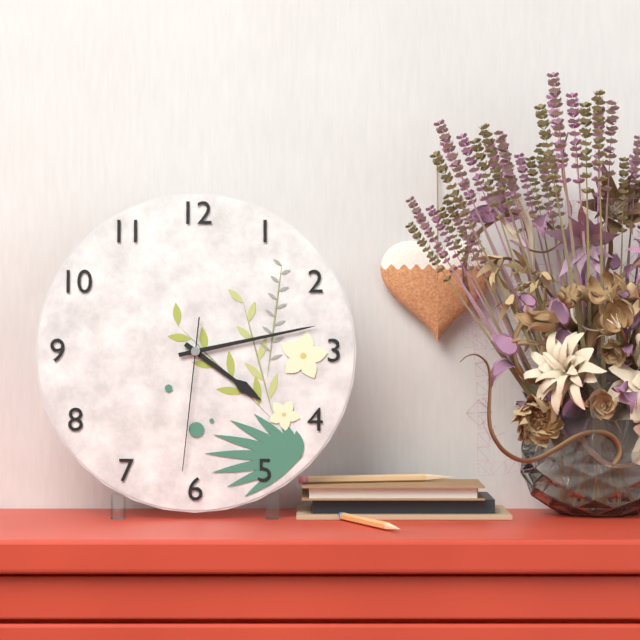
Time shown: **4:13:31**
